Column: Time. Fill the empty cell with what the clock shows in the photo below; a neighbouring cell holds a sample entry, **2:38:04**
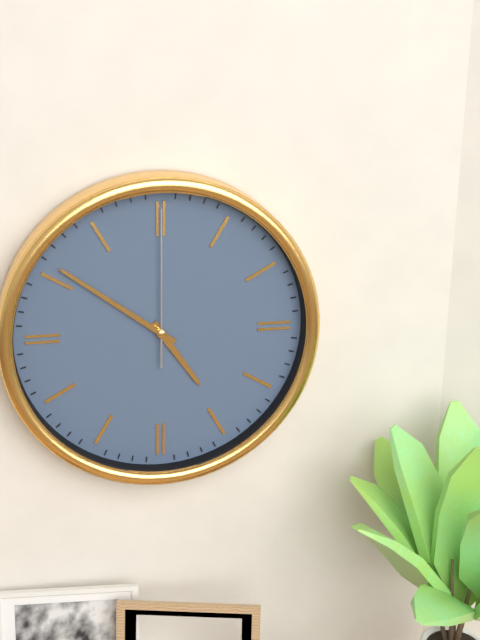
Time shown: **4:51:00**
